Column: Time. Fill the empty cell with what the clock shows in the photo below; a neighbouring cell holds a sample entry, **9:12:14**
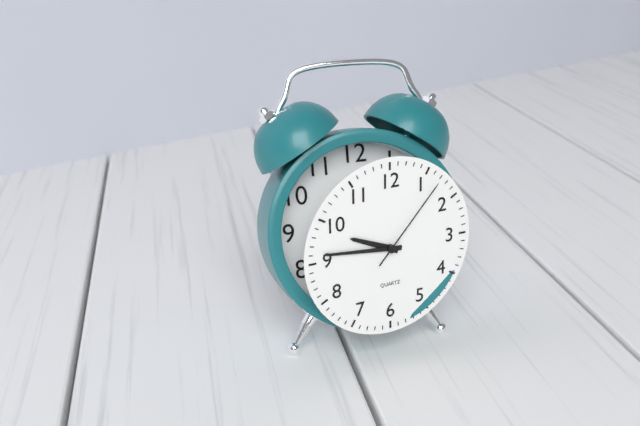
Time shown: **9:46:07**
